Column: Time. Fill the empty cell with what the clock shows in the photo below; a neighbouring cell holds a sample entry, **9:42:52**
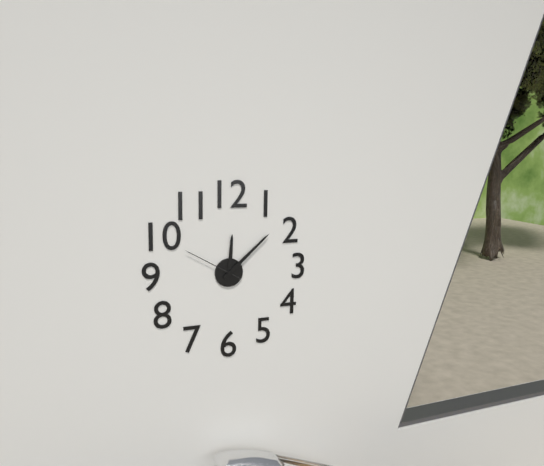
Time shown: **12:08:50**
